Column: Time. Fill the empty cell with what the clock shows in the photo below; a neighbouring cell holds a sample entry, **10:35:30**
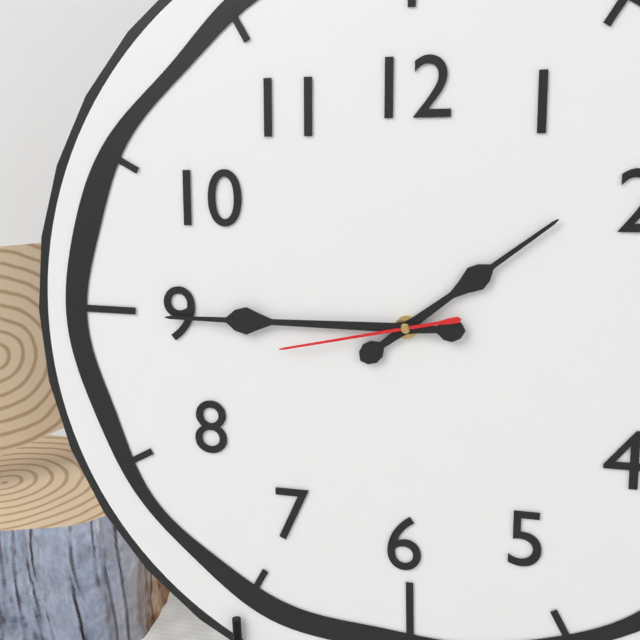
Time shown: **1:45:43**
